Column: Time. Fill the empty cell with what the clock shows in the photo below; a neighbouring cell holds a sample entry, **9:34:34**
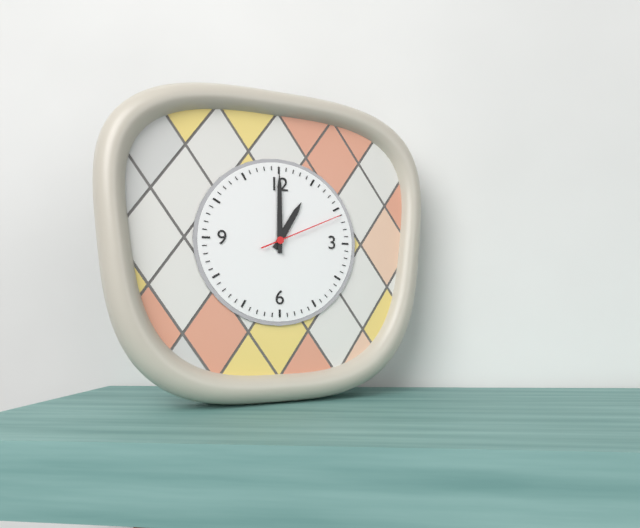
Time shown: **1:00:11**
